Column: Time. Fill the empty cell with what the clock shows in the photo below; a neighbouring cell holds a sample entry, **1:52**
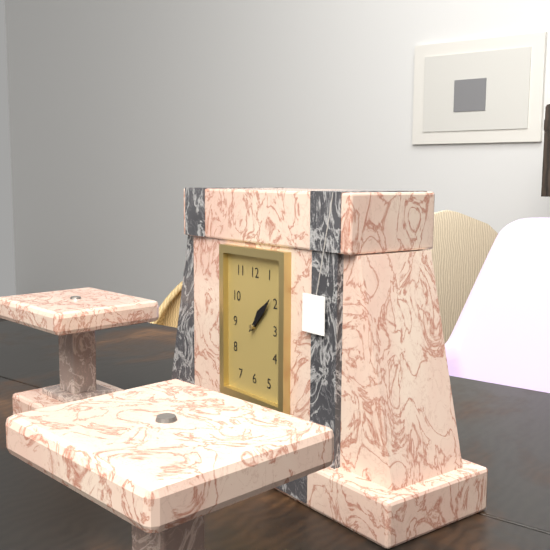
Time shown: **1:07**
